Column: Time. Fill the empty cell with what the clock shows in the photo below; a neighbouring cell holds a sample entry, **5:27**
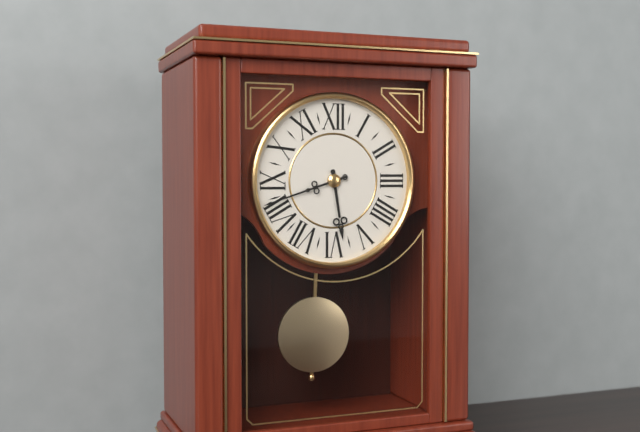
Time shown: **5:42**
